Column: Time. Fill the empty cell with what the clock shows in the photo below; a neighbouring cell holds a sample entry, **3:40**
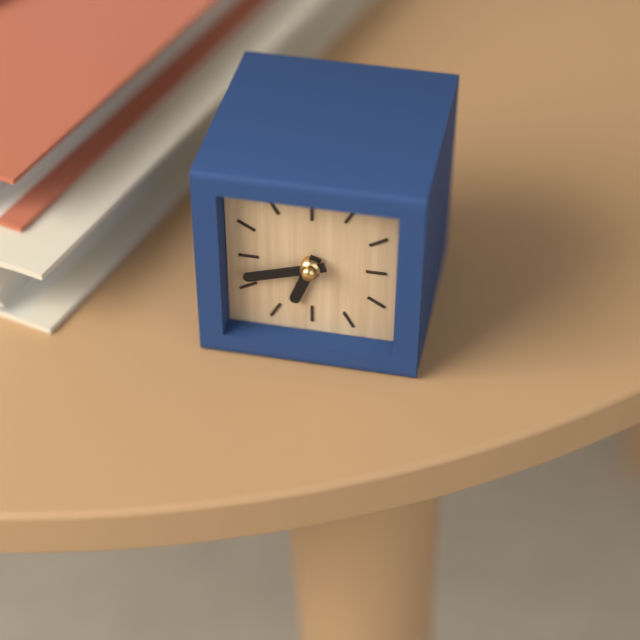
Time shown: **6:42**
